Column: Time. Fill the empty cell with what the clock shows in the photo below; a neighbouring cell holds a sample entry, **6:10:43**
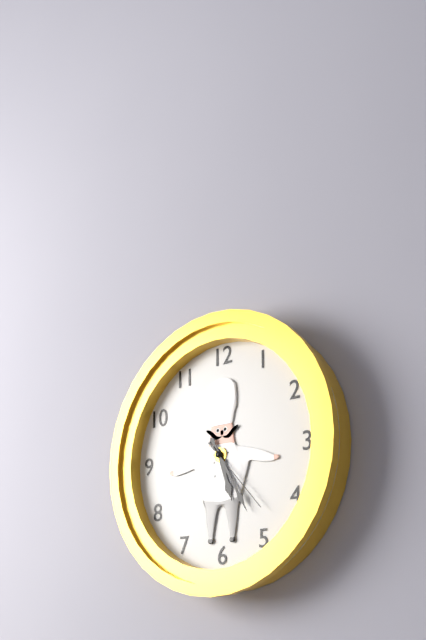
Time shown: **5:25:23**
